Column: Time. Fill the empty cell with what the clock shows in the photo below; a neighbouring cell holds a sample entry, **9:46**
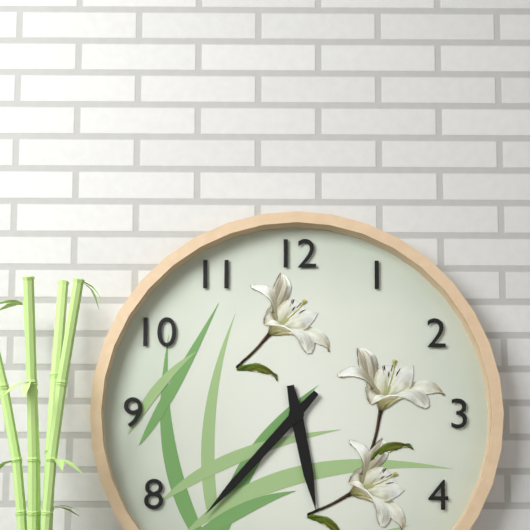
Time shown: **5:37**
